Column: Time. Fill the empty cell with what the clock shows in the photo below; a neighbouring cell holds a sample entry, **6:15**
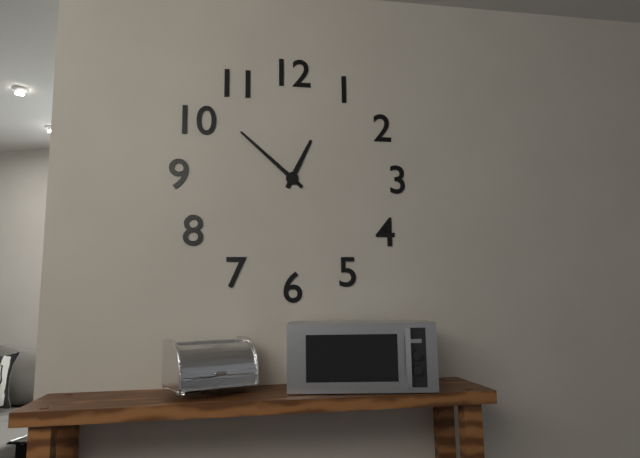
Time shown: **12:52**
